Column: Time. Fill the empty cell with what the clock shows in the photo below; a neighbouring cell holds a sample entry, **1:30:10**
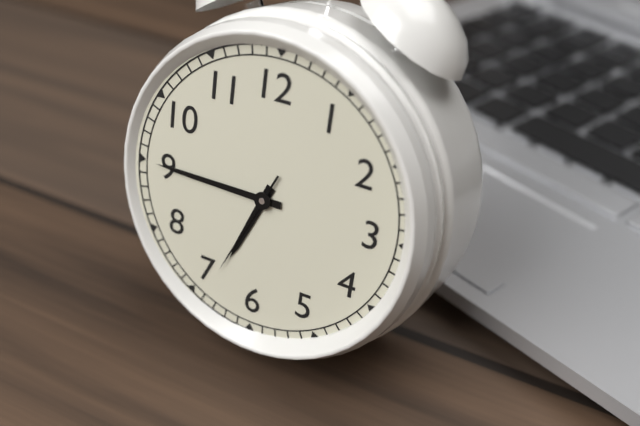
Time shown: **6:45:34**
